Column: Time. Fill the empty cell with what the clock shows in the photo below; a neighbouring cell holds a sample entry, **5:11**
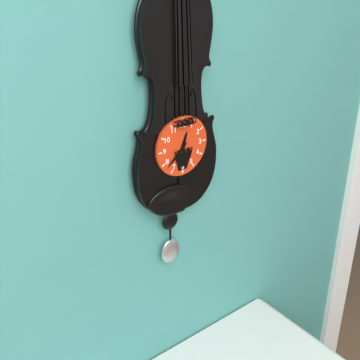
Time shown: **12:38**
